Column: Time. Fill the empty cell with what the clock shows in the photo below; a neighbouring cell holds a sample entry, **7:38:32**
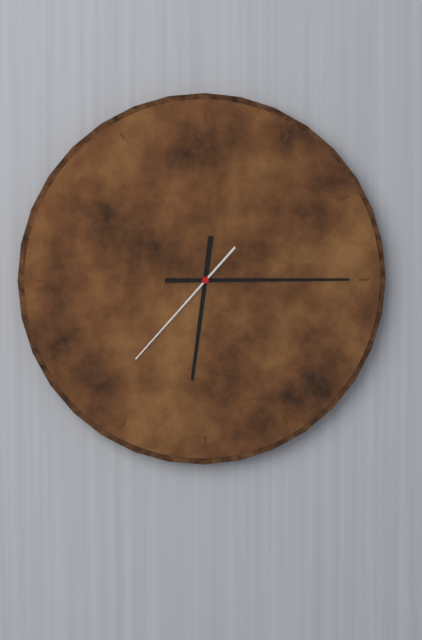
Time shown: **6:15:37**
